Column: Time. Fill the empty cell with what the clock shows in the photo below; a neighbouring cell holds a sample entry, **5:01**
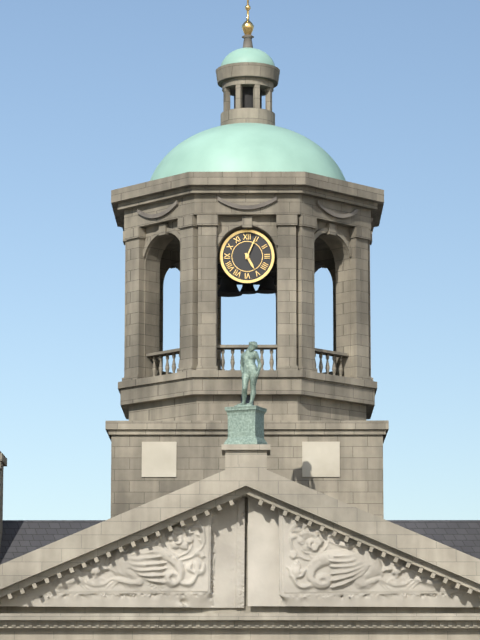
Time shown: **5:04**
